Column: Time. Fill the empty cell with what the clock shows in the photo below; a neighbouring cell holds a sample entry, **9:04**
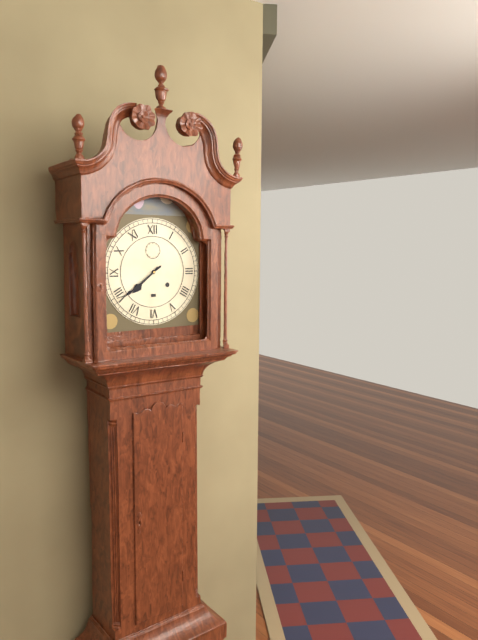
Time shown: **7:39**
